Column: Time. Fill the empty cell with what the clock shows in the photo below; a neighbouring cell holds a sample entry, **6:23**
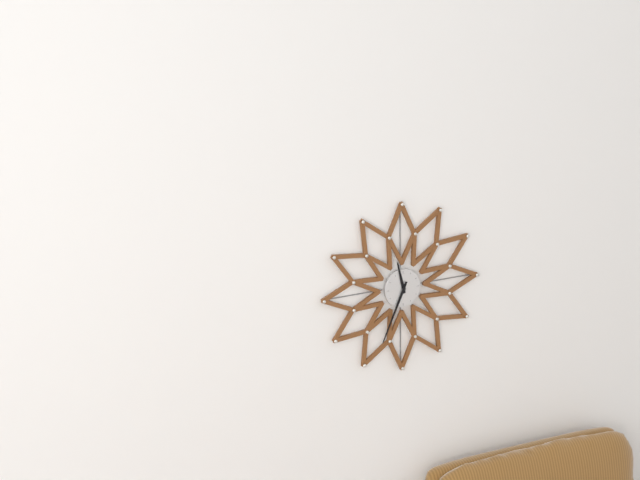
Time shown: **11:34**
